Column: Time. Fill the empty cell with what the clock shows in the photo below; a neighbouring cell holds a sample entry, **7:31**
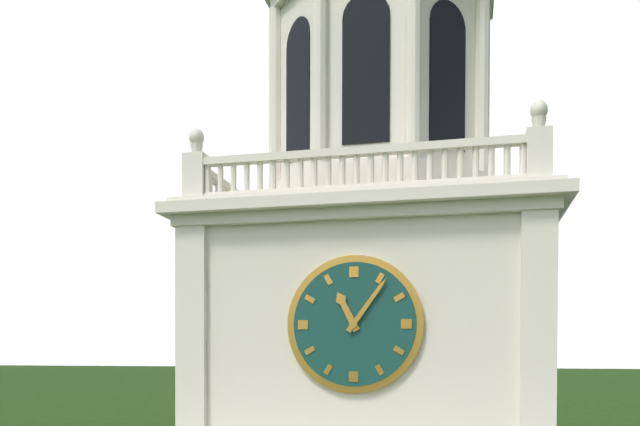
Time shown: **11:06**
